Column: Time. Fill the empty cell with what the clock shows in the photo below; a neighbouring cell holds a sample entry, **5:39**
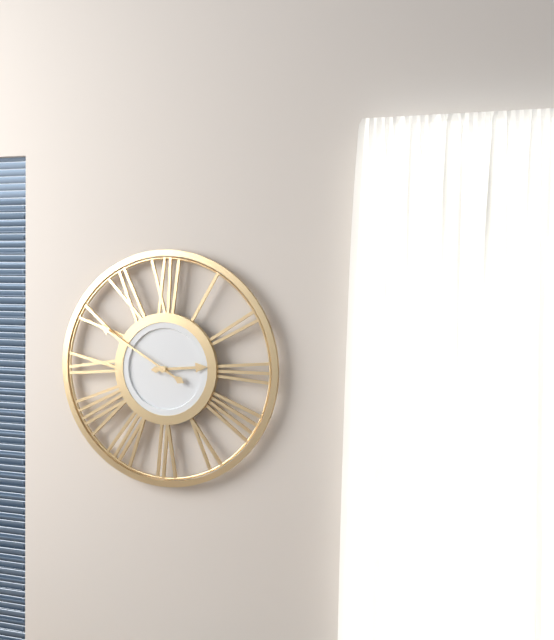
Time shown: **2:50**
